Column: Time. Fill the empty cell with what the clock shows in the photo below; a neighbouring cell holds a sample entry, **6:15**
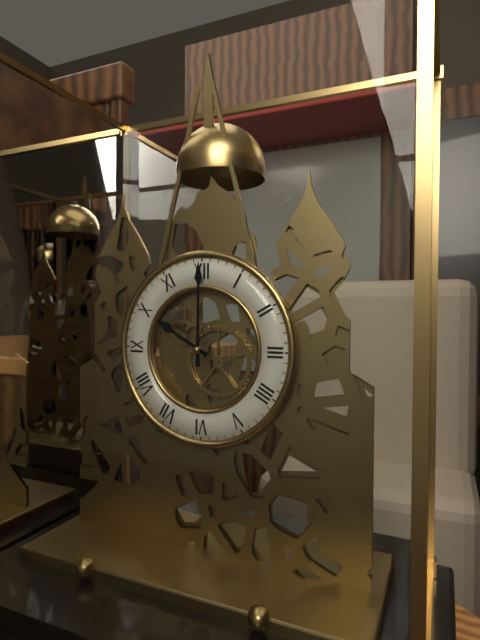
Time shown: **10:00**
